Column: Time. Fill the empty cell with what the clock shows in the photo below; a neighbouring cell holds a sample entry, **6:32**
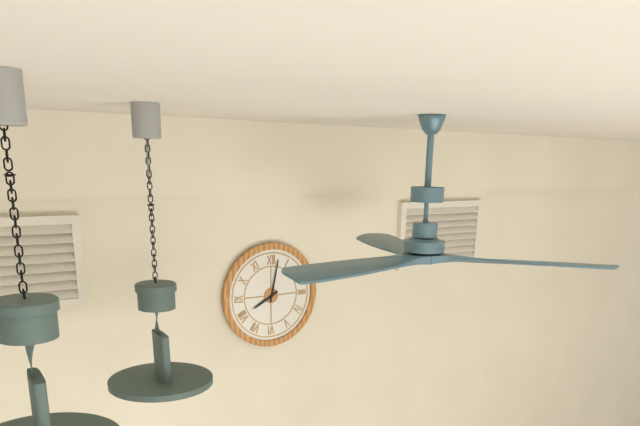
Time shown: **8:02**
